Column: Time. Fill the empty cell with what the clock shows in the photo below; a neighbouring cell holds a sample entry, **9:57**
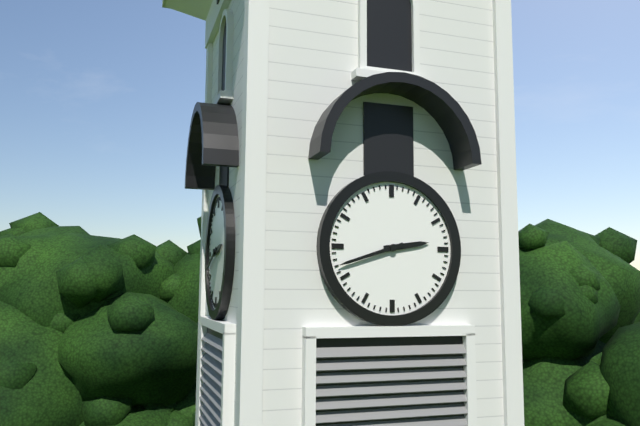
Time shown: **2:42**
